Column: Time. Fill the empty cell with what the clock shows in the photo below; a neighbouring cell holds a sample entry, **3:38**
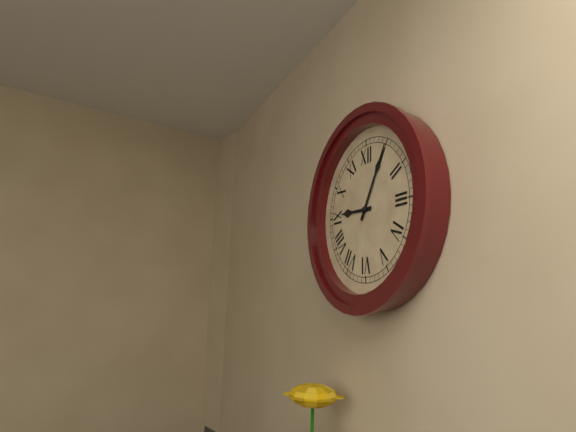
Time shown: **9:05**
